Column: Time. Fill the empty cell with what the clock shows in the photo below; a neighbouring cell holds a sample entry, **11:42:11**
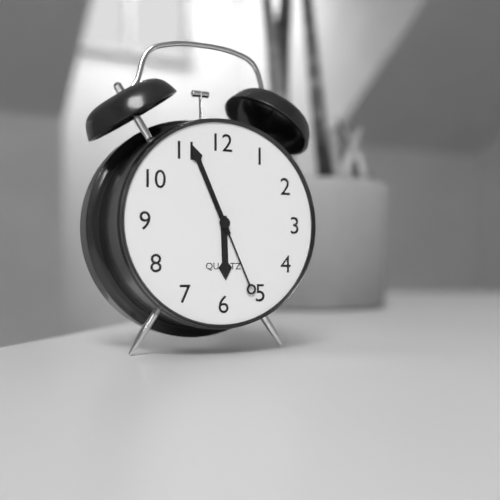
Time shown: **5:56:26**
